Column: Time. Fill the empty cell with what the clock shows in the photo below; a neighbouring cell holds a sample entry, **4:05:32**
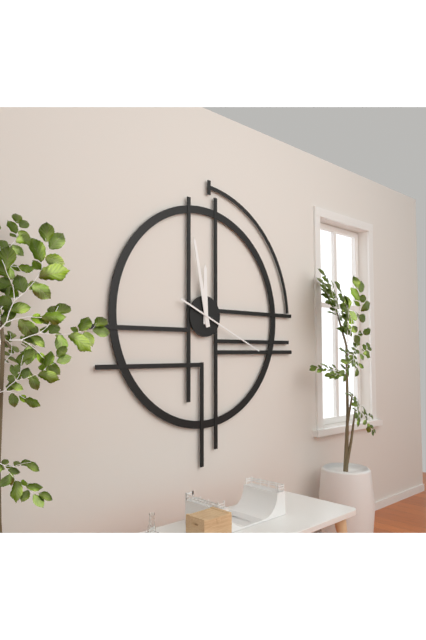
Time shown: **11:58:19**
